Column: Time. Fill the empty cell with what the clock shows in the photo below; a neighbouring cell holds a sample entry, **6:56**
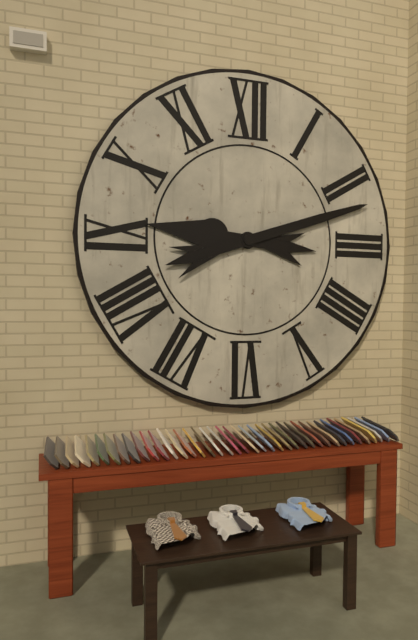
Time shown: **9:12**
